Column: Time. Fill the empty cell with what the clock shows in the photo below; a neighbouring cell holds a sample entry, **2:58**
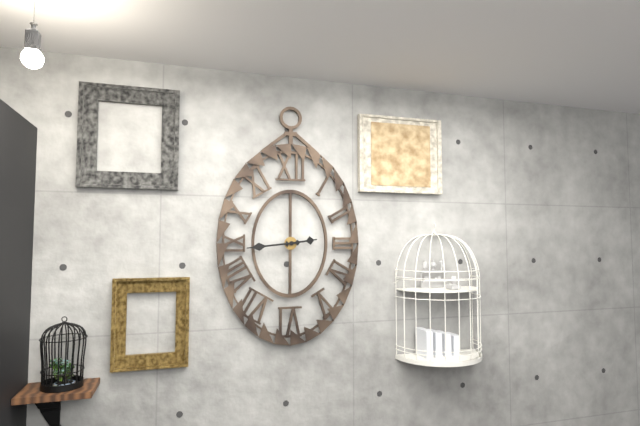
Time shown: **2:44**
